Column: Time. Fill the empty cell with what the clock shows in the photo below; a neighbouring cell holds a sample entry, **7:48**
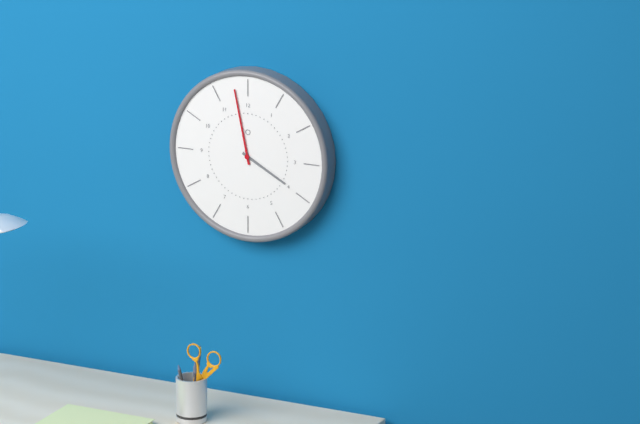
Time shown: **3:58**
